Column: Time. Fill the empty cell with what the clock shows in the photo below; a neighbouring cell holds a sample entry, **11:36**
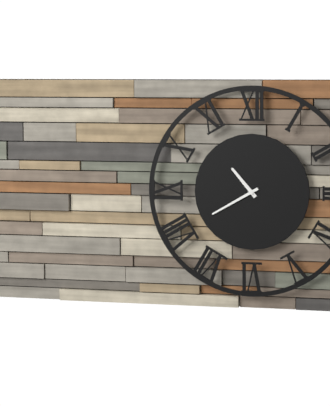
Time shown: **10:40**
